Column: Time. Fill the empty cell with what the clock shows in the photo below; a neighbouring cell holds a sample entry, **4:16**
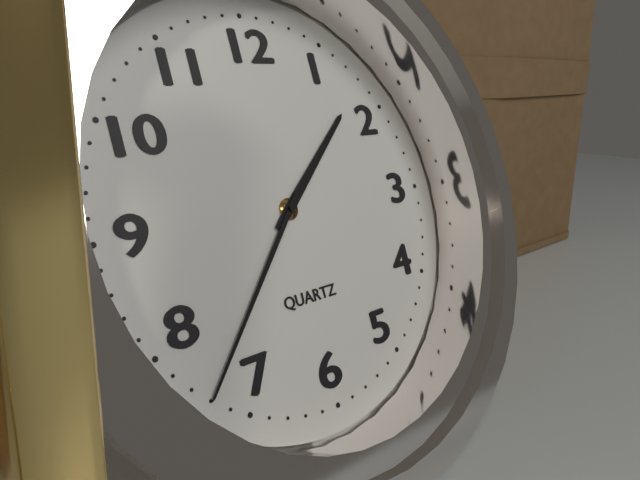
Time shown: **1:37**
